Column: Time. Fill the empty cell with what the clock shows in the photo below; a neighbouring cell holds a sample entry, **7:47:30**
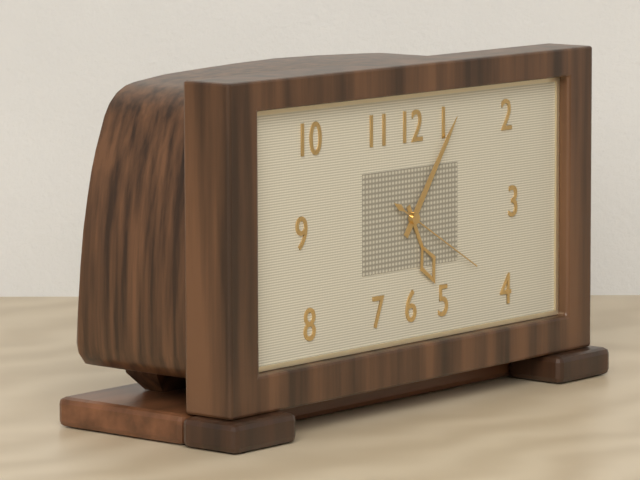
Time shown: **5:06:20**
